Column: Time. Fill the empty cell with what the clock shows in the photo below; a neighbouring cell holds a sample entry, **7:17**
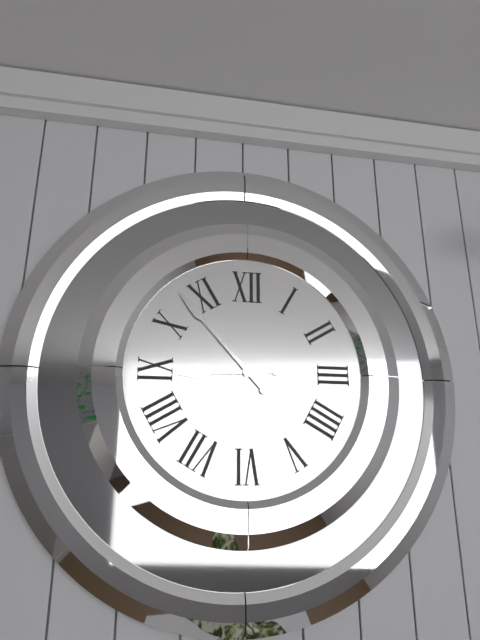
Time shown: **8:53**
